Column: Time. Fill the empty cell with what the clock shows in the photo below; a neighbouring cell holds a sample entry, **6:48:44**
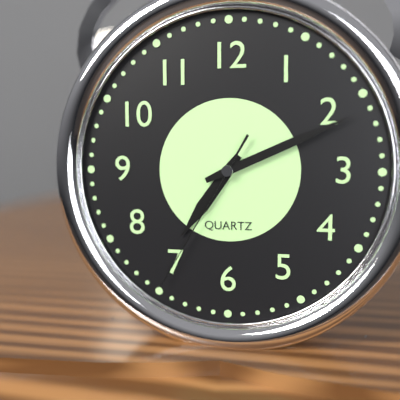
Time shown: **7:11:35**
